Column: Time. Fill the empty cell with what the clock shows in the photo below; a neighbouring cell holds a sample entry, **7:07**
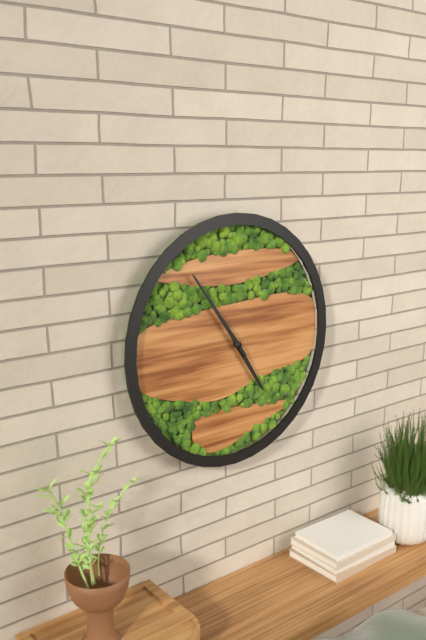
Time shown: **4:54**
